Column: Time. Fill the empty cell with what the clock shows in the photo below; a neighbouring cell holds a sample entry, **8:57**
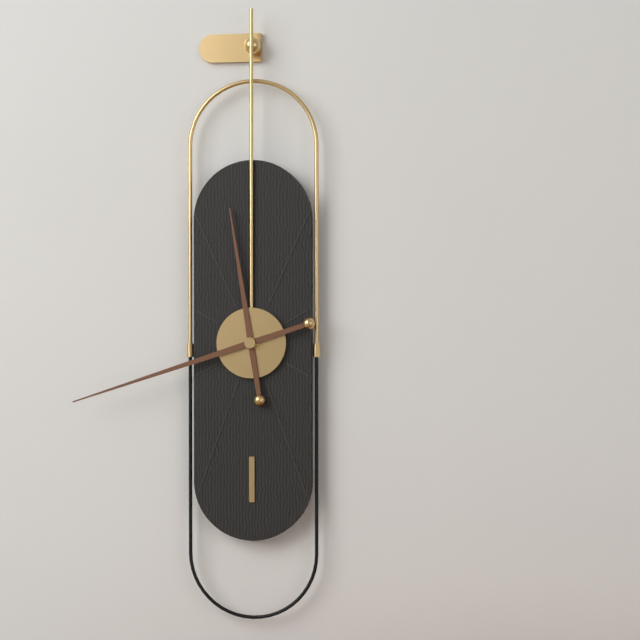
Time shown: **11:42**
